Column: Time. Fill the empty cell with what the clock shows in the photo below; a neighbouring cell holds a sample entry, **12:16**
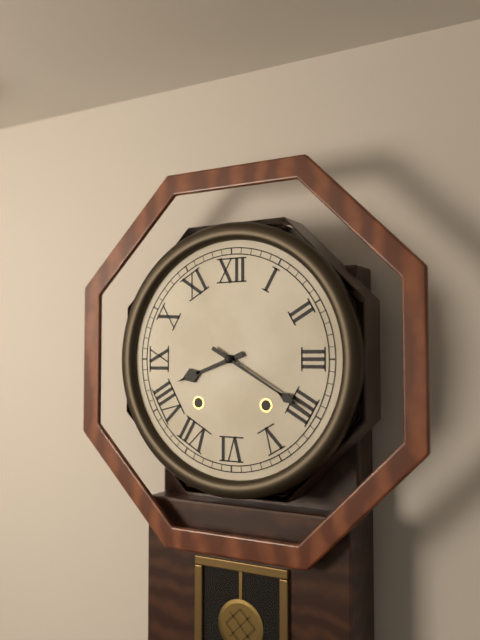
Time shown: **8:20**
